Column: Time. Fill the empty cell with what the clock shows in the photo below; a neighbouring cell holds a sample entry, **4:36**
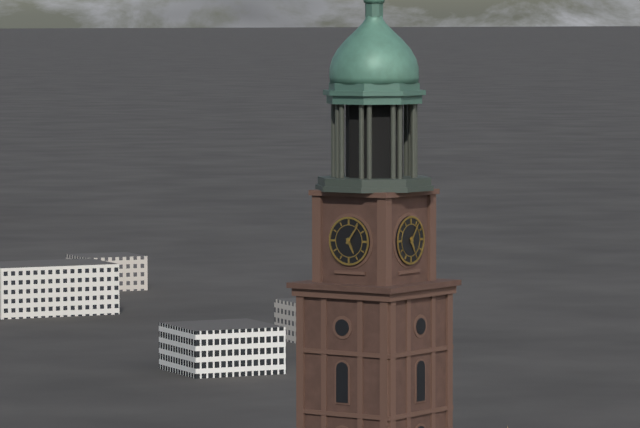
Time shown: **5:06**
